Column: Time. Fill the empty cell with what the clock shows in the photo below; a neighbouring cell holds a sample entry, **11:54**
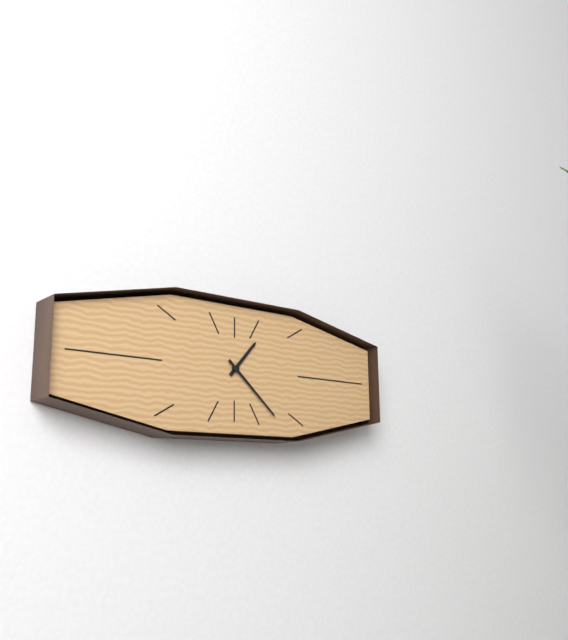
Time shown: **1:22**
